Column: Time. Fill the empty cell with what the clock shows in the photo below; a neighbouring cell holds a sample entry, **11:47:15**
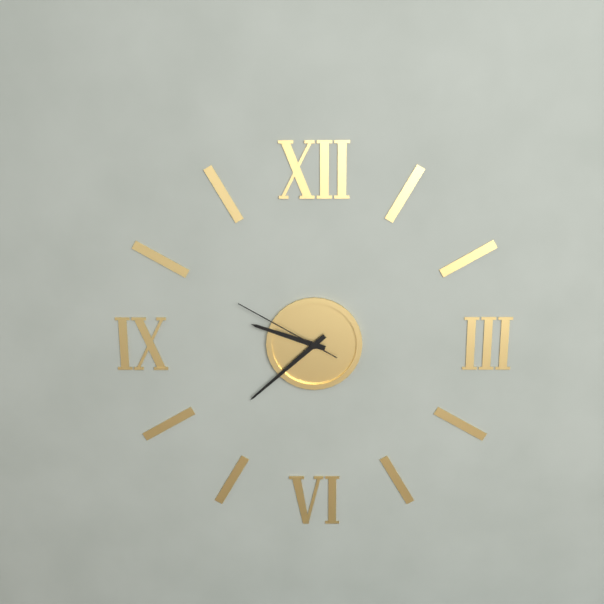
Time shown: **9:38:50**
